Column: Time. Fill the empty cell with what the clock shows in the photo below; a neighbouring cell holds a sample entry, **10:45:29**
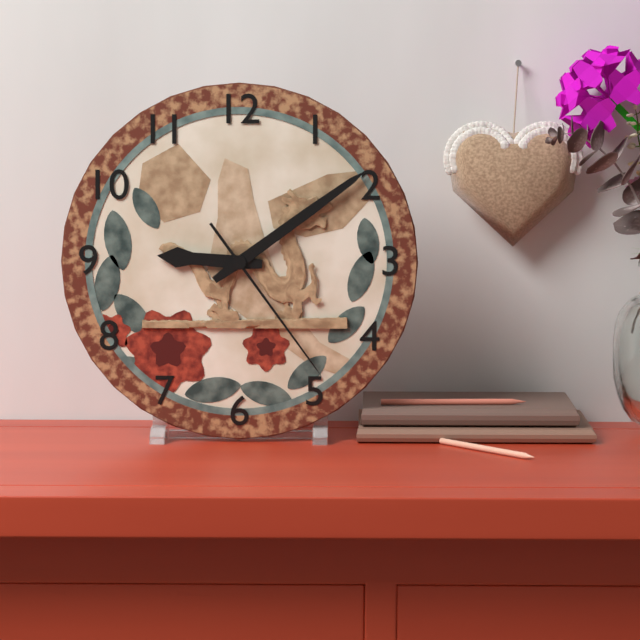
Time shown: **9:09:24**
